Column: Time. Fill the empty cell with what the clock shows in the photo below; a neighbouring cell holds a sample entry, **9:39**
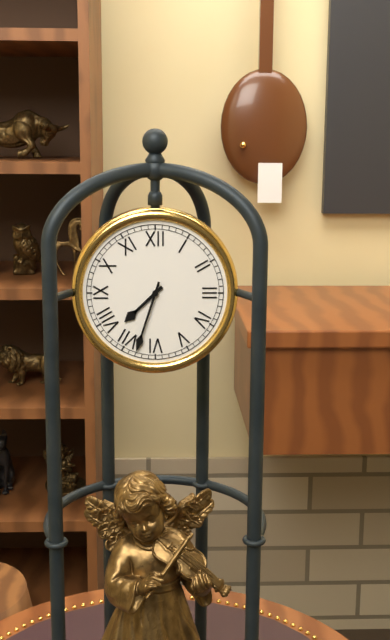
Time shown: **7:33**
